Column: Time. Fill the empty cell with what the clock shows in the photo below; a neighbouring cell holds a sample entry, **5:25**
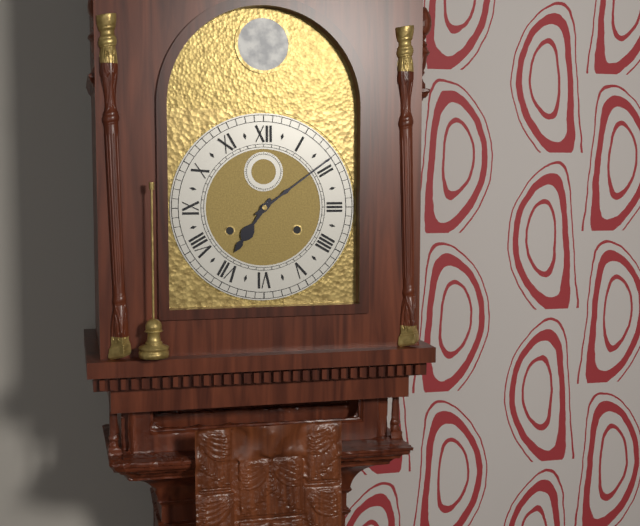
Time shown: **7:09**
